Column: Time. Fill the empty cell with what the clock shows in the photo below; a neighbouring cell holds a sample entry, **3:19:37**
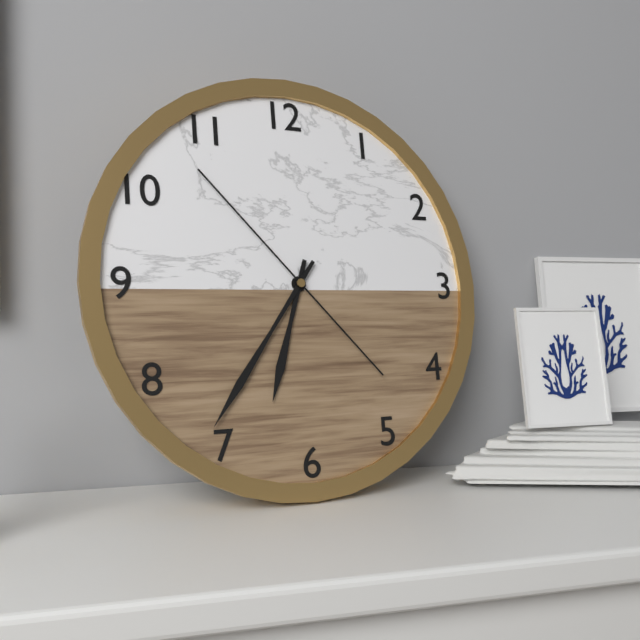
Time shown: **6:36:53**
